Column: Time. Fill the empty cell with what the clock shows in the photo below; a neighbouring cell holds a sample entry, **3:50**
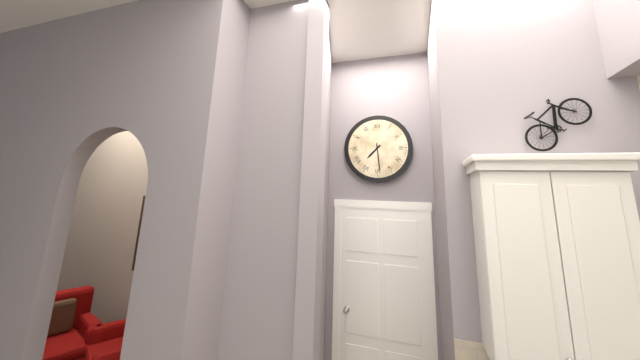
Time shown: **7:29**
